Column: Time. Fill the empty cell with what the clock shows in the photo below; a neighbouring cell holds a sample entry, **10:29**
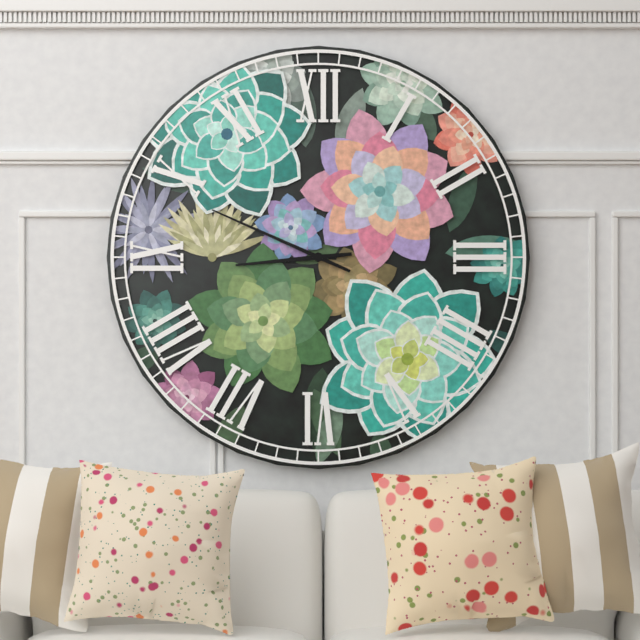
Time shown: **8:49**
